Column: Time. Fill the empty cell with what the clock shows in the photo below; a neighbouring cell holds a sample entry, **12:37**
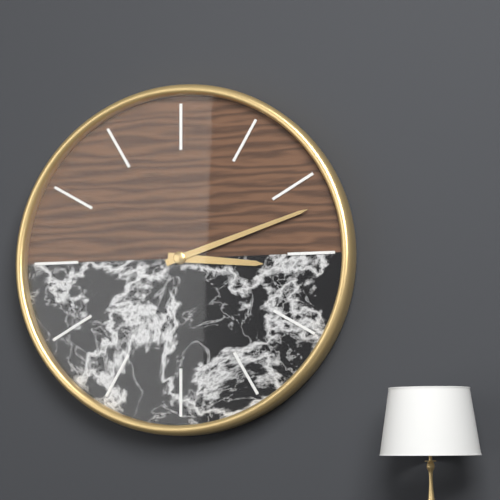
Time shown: **3:12**
